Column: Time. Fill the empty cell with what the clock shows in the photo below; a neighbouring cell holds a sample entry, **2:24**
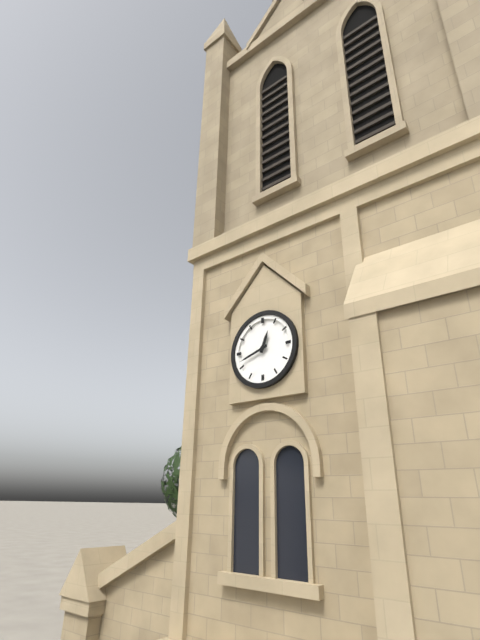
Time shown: **12:42**
